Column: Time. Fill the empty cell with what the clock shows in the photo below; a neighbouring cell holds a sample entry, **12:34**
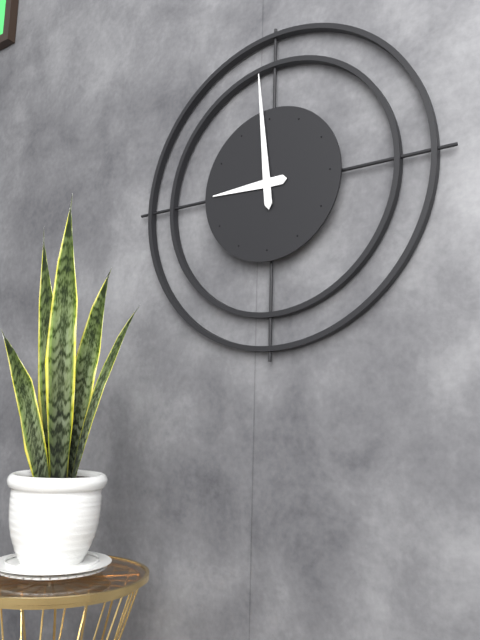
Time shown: **8:59**
